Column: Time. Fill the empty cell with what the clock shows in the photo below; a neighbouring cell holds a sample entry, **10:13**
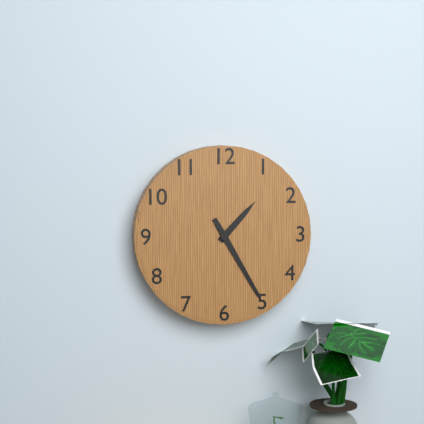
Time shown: **1:25**
